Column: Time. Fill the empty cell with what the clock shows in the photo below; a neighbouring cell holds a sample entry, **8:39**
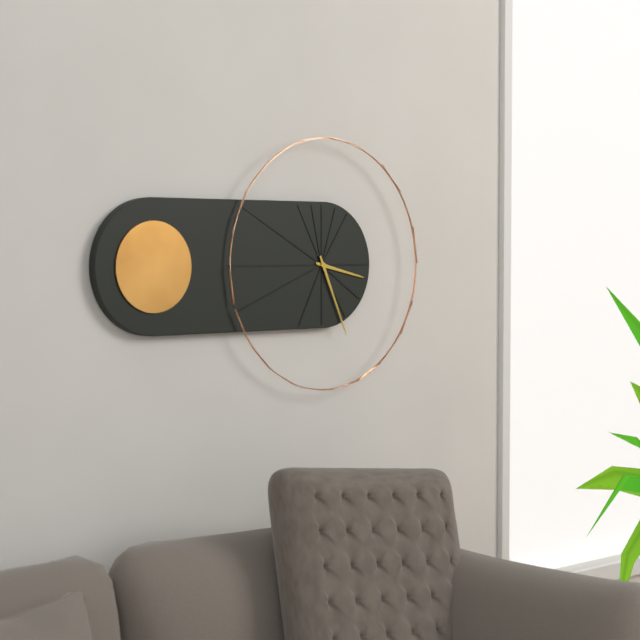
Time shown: **3:26**
